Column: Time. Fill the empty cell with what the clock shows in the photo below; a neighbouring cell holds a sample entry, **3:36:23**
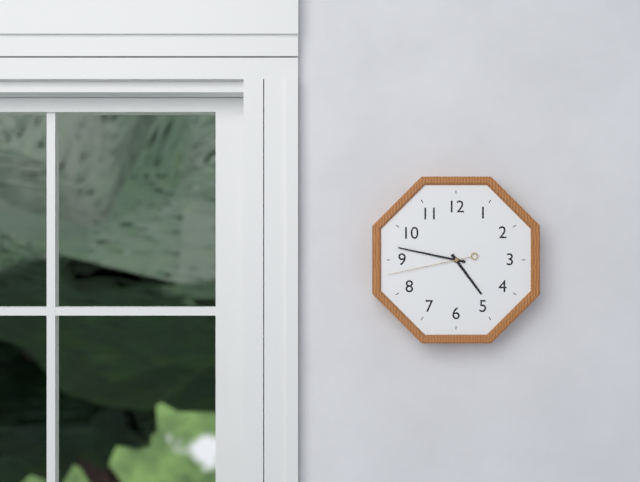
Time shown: **4:47:43**
